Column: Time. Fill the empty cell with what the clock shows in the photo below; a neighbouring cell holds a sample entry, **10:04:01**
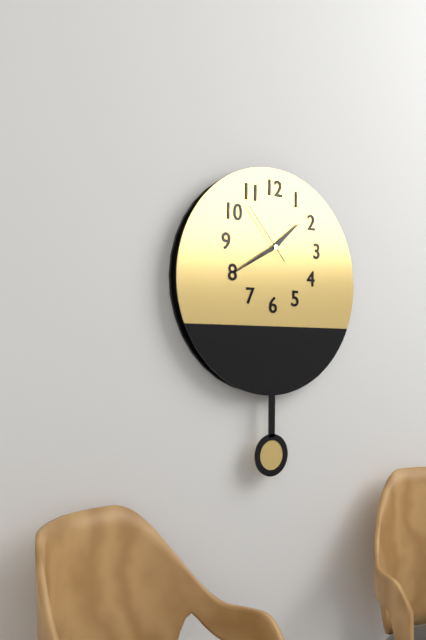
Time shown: **1:40:53**
